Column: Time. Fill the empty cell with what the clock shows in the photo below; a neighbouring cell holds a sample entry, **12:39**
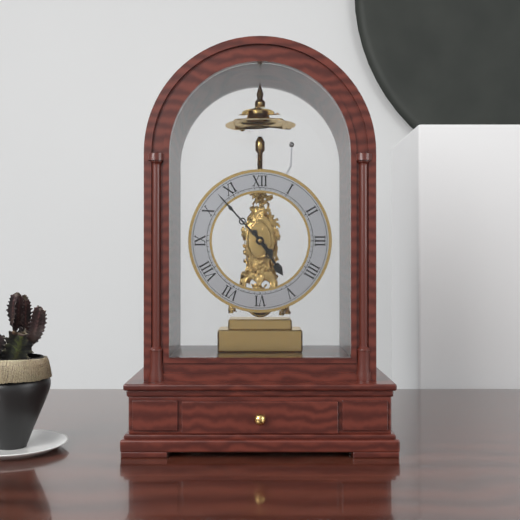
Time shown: **4:53**
